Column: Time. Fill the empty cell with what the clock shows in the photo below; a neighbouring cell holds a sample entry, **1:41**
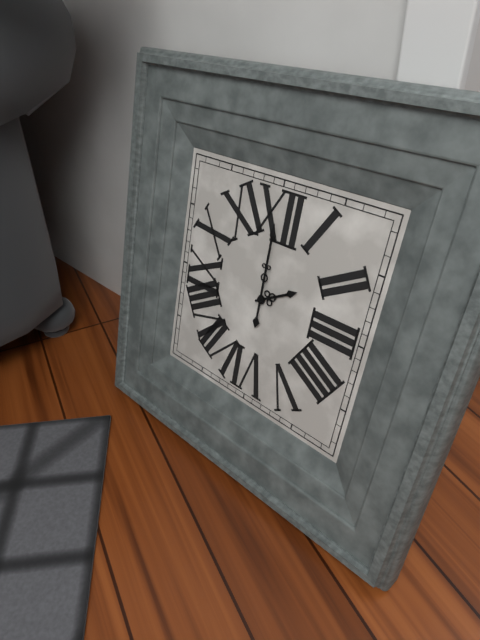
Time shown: **2:00**
